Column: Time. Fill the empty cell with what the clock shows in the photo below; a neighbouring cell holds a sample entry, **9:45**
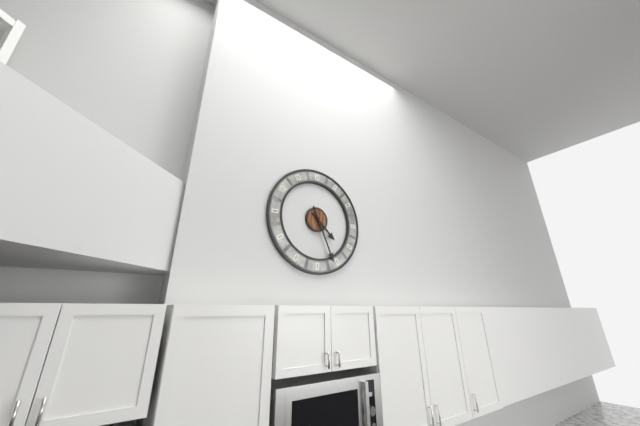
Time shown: **4:26**
